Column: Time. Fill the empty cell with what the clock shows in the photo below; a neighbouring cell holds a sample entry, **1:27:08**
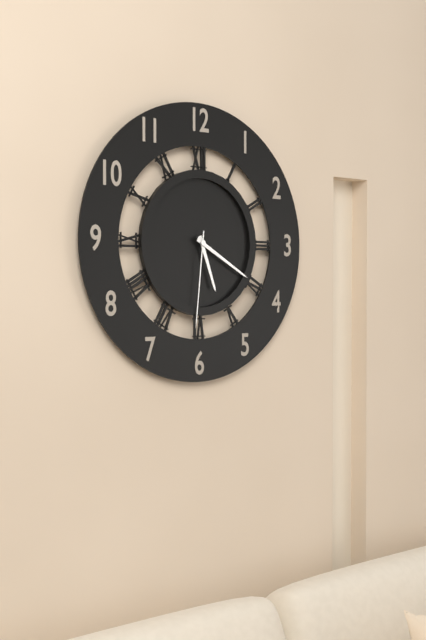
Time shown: **5:20:31**
